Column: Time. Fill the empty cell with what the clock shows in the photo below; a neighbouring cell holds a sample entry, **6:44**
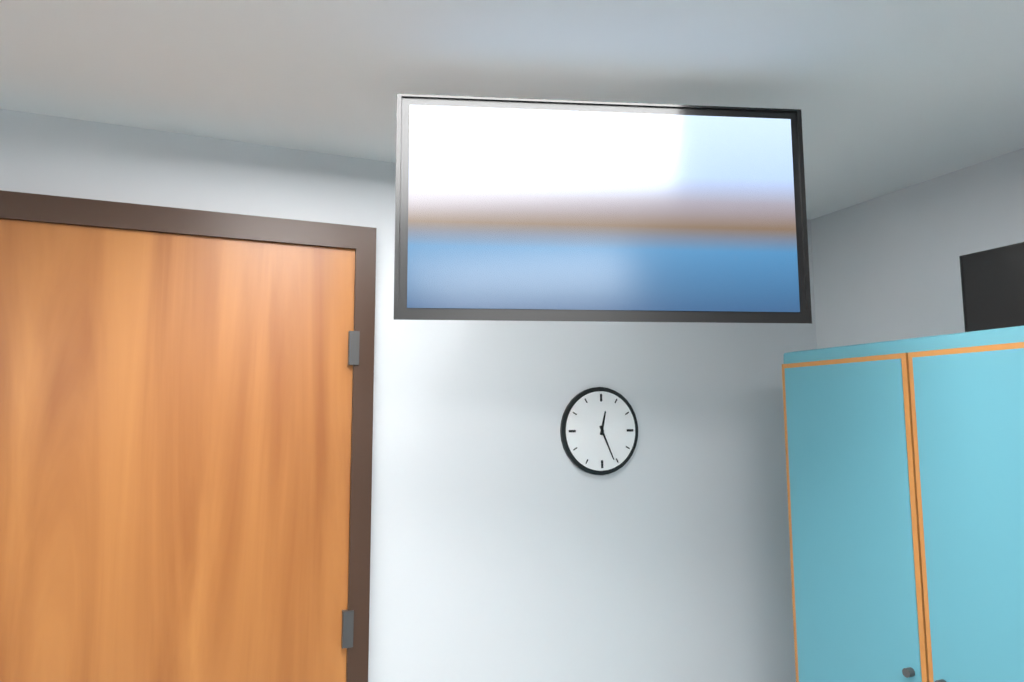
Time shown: **12:26**
